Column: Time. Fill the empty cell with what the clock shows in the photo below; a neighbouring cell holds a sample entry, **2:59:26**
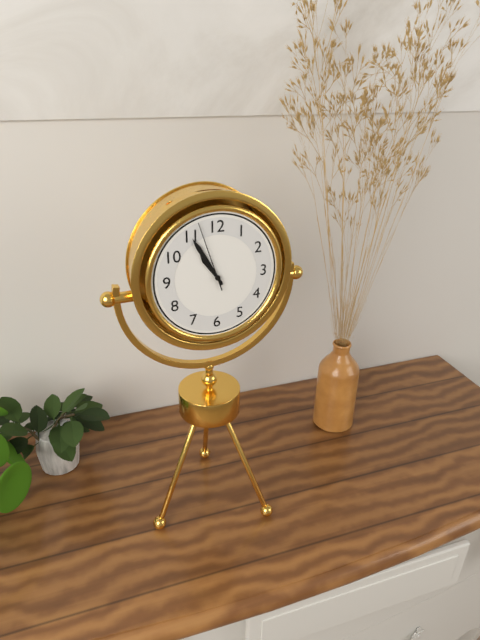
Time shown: **10:55:57**
